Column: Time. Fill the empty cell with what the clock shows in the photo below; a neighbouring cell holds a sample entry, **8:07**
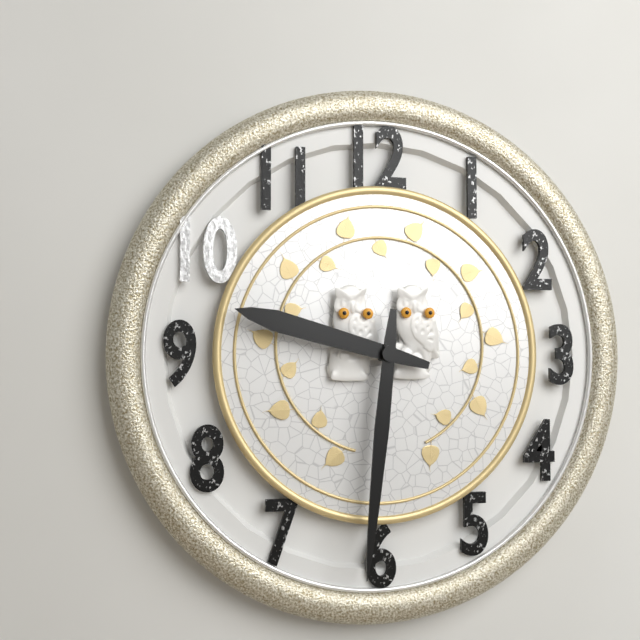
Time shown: **9:31**
